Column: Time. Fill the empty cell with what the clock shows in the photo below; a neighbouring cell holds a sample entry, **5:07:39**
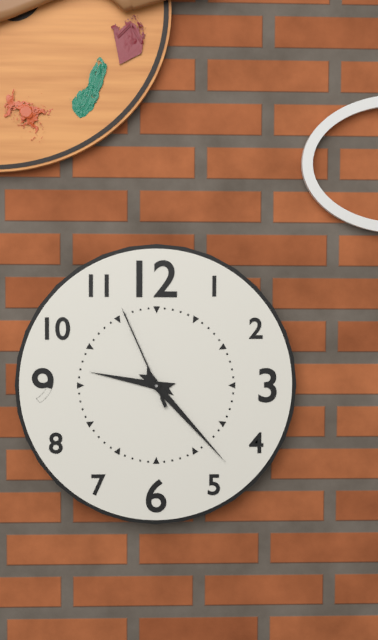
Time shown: **9:23:56**
